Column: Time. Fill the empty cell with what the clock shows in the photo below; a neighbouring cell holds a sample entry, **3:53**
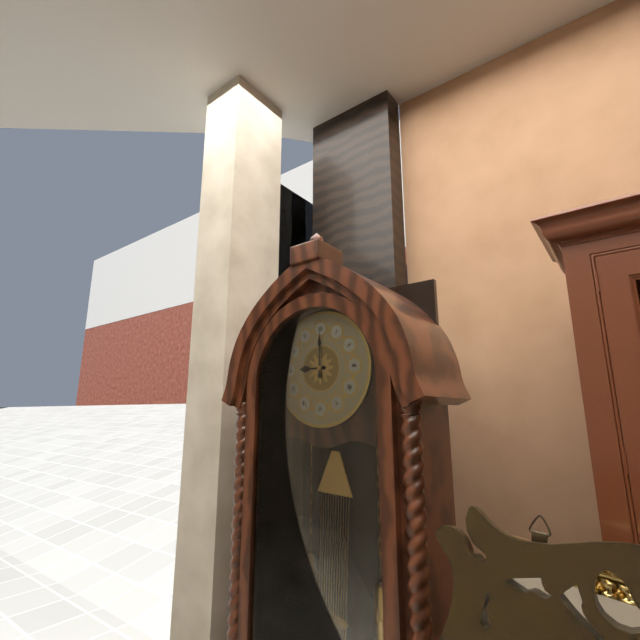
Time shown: **9:00**
